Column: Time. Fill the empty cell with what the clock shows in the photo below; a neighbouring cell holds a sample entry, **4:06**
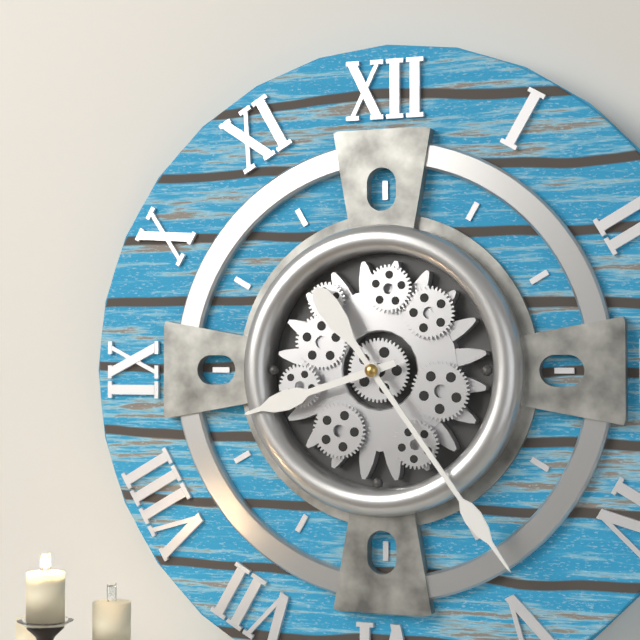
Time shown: **8:24**
